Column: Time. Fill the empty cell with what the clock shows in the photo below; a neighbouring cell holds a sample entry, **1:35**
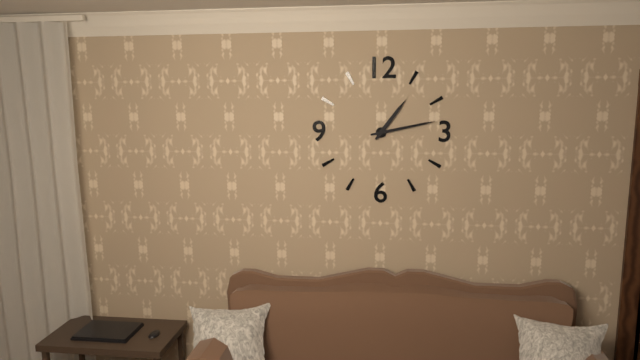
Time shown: **1:13**
